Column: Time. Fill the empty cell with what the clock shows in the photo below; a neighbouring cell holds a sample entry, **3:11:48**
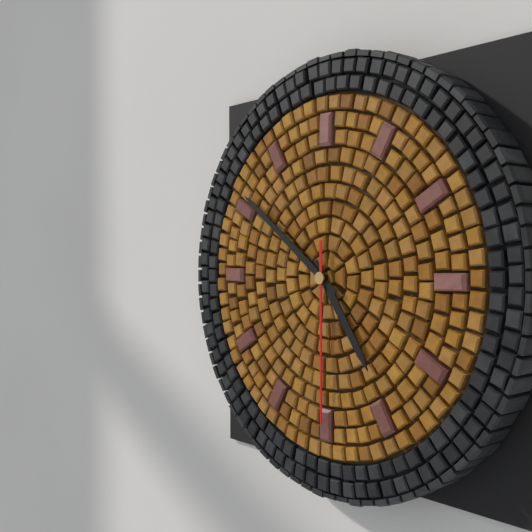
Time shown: **4:51:30**
